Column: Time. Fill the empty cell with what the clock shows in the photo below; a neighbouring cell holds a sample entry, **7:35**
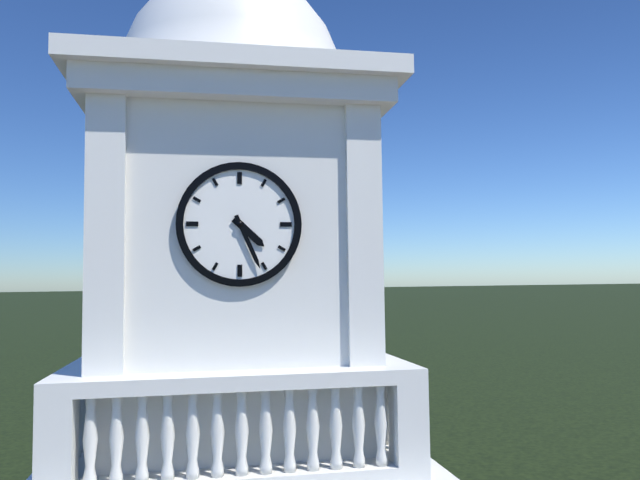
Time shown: **4:26**
